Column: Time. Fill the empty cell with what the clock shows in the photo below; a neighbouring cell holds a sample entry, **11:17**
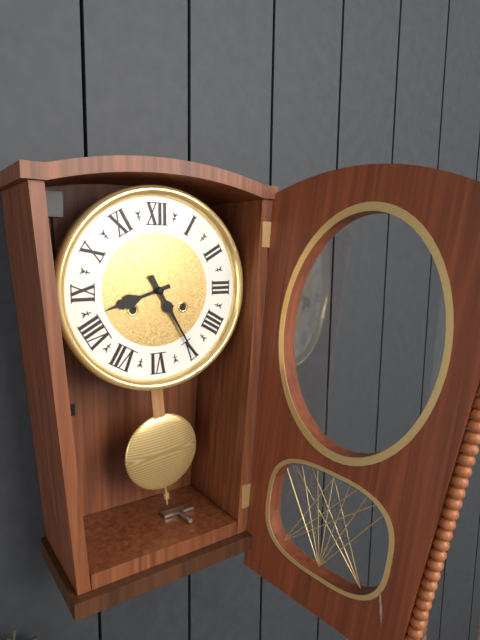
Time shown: **8:25**
